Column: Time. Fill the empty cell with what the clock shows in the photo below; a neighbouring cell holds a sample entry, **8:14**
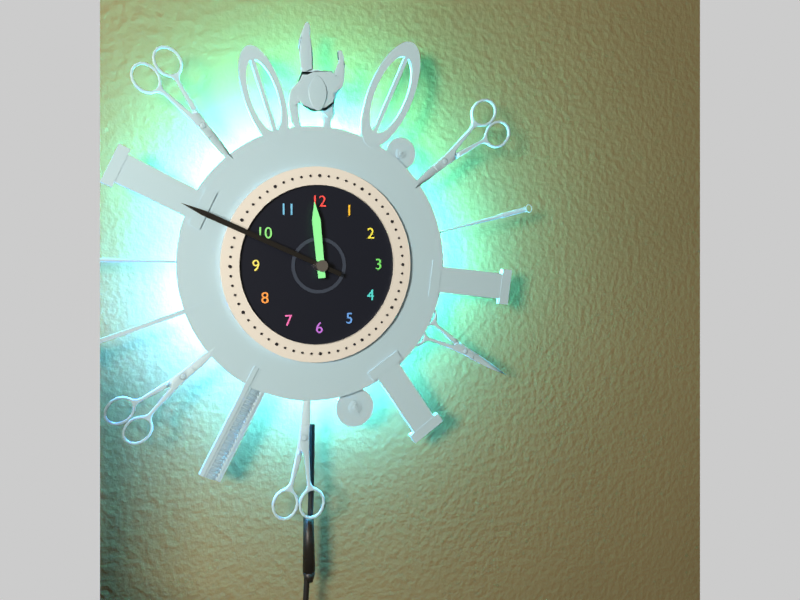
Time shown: **11:49**
